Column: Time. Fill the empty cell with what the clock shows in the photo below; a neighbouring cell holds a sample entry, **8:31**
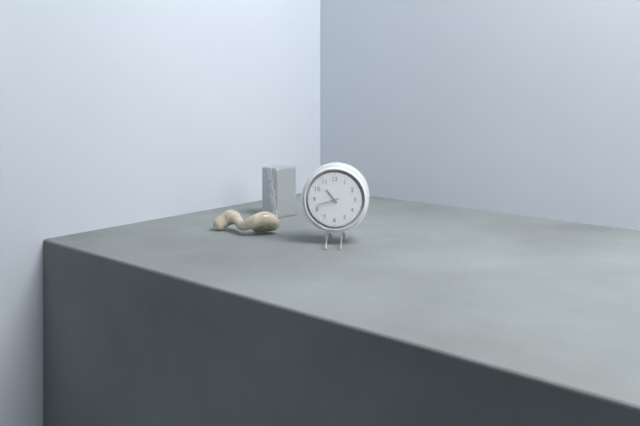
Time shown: **10:42**
